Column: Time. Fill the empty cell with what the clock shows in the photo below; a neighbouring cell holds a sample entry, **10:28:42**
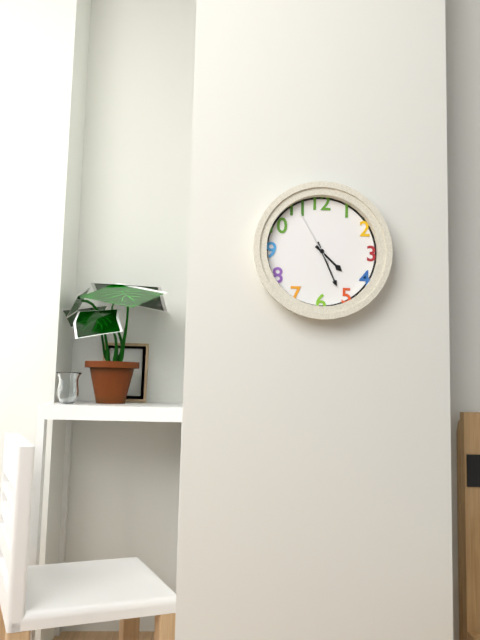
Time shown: **4:26:55**
